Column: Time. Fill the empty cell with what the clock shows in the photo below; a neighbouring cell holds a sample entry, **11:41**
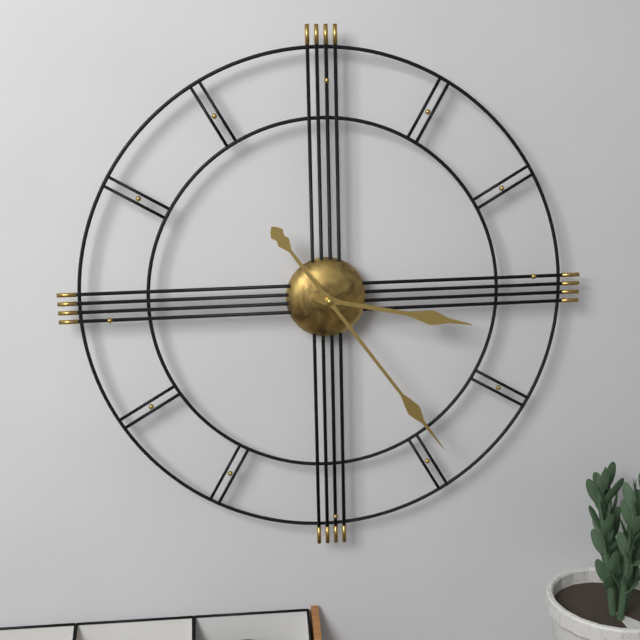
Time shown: **3:24**
